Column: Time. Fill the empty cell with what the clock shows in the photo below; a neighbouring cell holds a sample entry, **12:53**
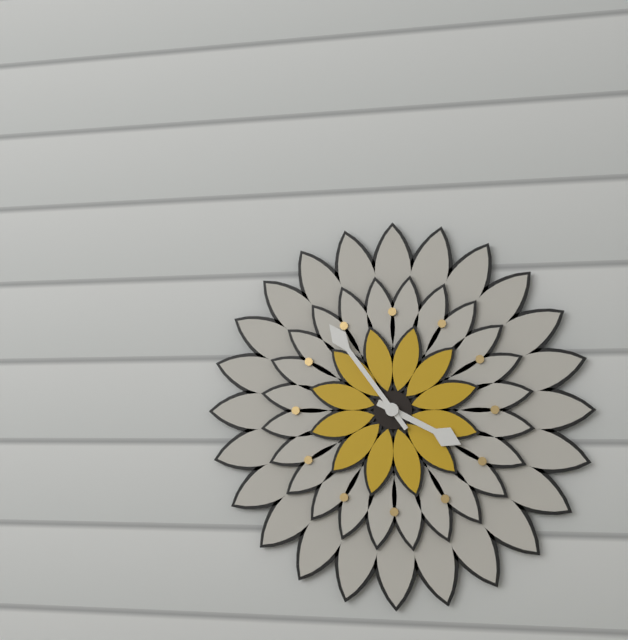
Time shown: **3:54**
